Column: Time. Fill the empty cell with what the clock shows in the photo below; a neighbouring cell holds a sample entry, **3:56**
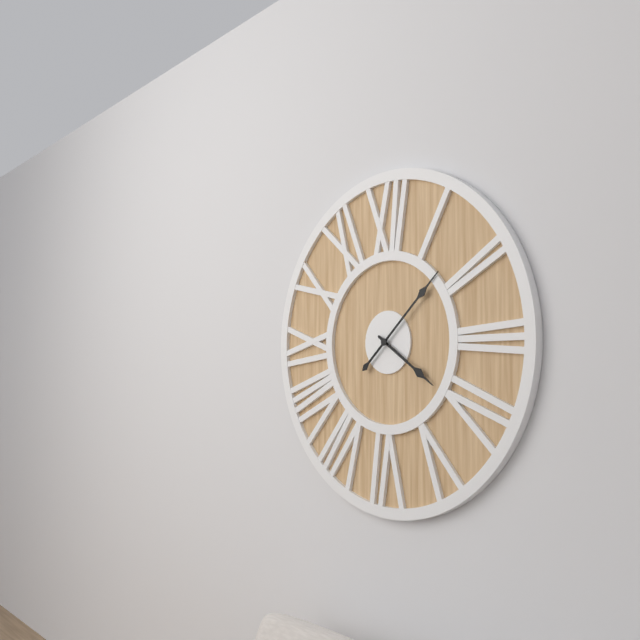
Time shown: **4:08**
